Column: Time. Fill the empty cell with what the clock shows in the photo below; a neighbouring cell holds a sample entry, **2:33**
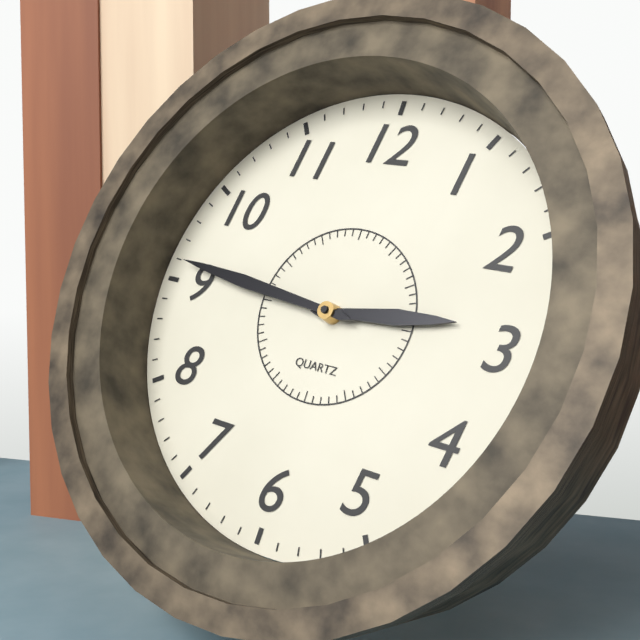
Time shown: **2:46**
